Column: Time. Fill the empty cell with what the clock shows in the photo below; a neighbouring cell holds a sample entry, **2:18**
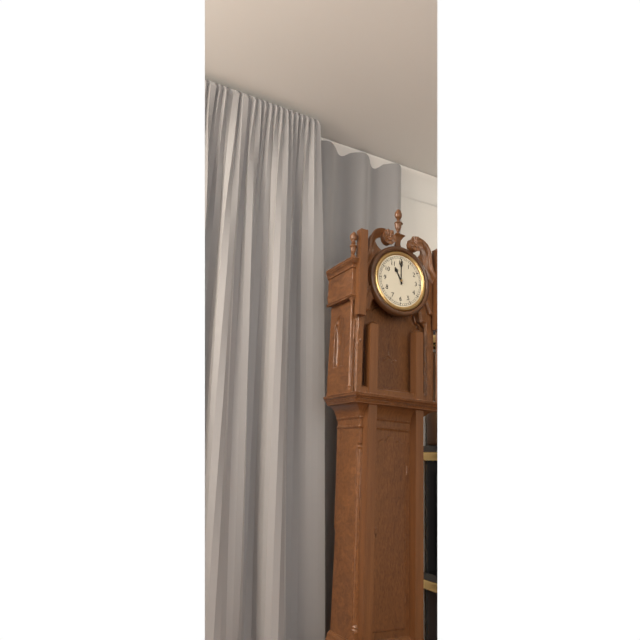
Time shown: **11:00**
